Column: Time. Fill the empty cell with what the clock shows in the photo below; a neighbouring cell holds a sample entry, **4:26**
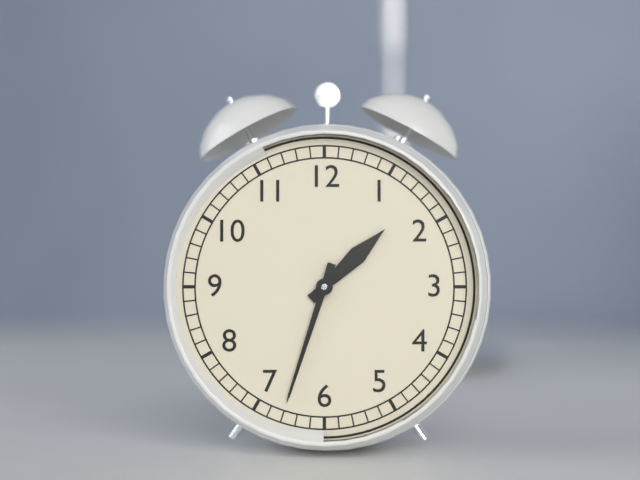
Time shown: **1:33**
